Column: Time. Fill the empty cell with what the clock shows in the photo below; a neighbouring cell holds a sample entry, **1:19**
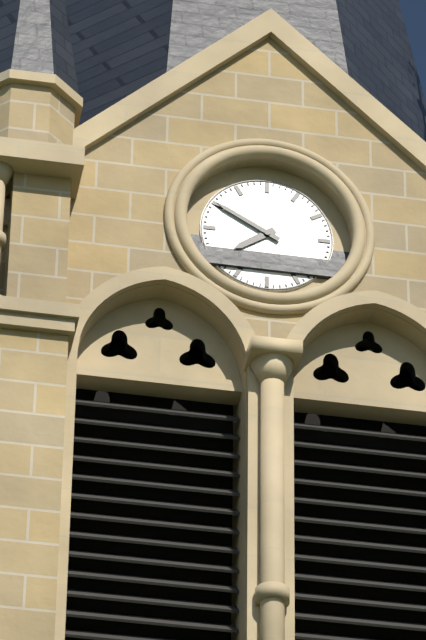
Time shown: **7:50**
